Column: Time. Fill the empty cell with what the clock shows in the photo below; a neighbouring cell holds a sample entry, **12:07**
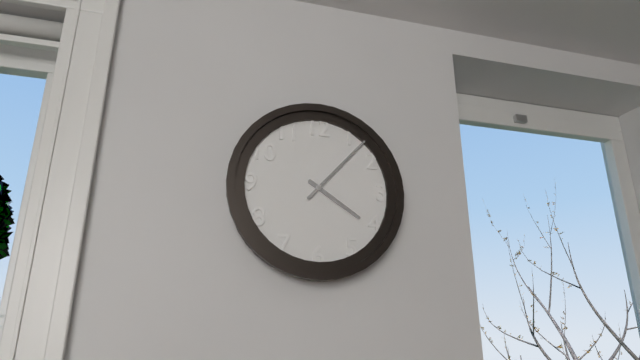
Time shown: **4:07**
